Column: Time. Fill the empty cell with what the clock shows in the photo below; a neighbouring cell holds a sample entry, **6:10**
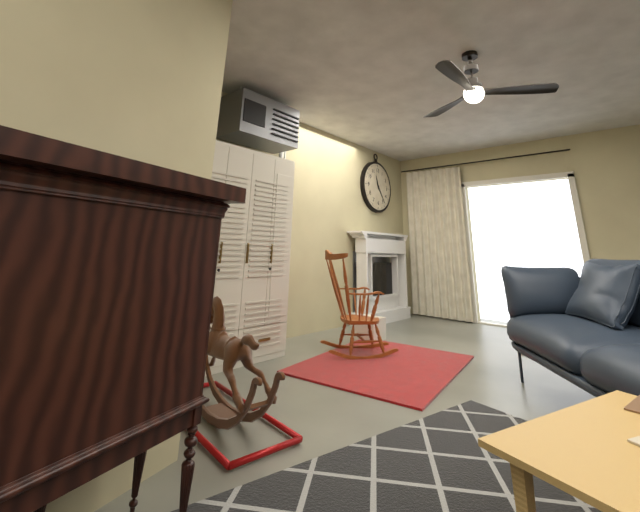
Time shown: **11:24**
